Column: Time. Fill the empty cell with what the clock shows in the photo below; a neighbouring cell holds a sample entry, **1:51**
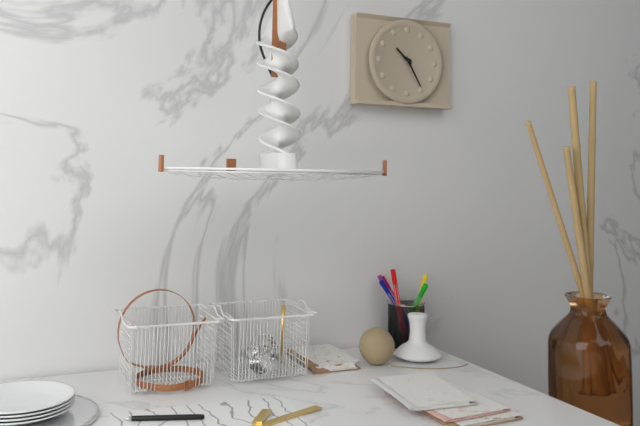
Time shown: **10:25**
